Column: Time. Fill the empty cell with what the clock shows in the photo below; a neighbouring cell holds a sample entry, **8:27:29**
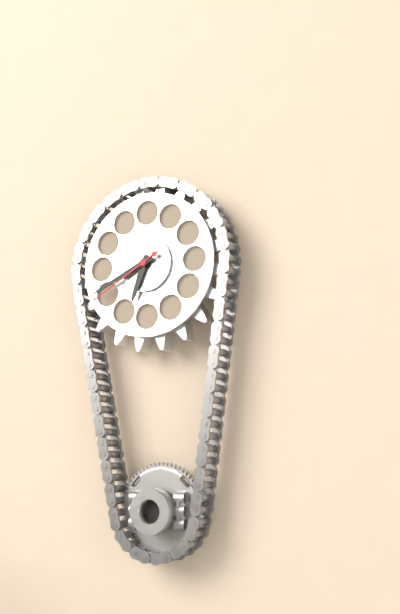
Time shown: **6:41:40**
